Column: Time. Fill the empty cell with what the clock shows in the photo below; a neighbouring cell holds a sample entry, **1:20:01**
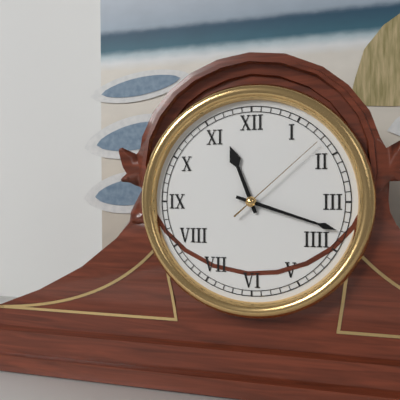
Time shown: **11:18:08**
